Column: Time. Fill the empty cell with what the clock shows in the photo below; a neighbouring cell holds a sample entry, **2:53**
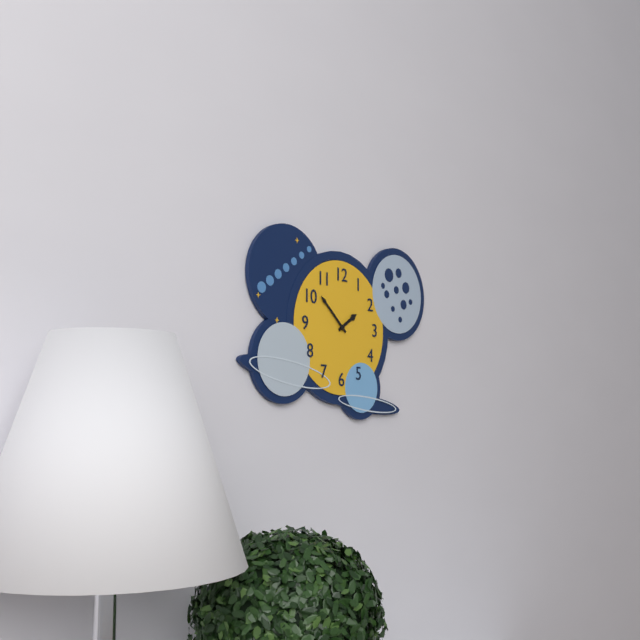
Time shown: **1:52**
